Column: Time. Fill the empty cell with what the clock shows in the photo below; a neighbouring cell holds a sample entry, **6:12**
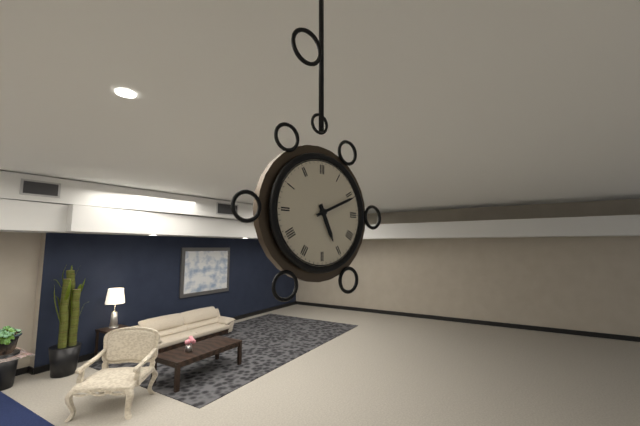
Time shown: **5:11**
